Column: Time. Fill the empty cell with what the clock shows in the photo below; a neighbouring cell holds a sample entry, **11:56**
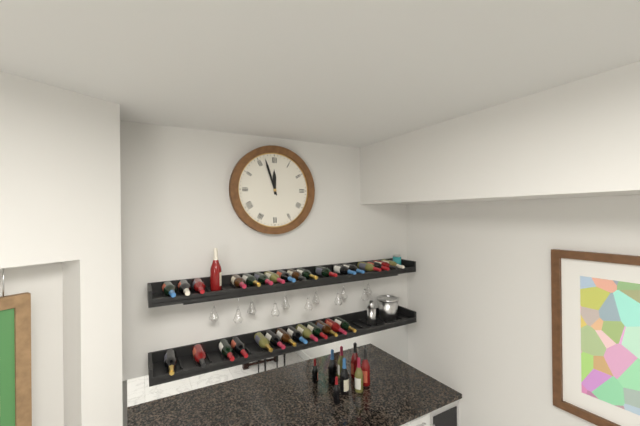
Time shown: **11:57**
